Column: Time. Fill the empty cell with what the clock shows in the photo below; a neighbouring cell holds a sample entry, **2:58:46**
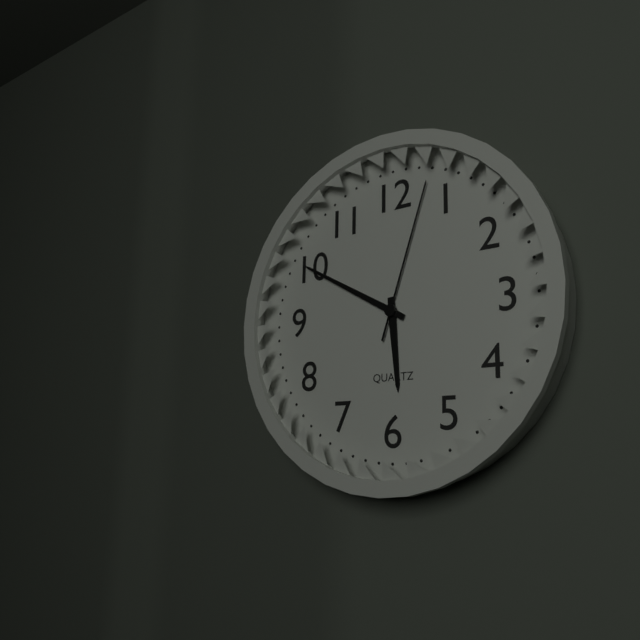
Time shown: **5:50:03**
